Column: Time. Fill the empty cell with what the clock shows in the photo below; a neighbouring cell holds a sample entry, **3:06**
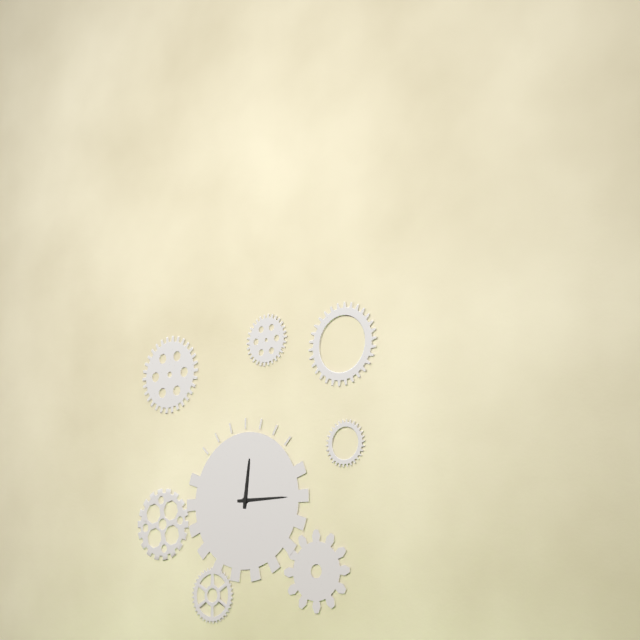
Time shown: **12:15**
